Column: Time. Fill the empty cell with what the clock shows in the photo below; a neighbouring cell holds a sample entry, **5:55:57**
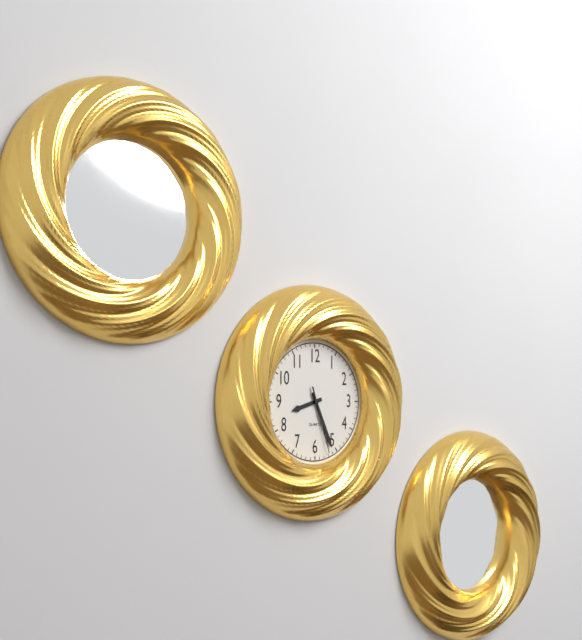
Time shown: **8:26:27**
